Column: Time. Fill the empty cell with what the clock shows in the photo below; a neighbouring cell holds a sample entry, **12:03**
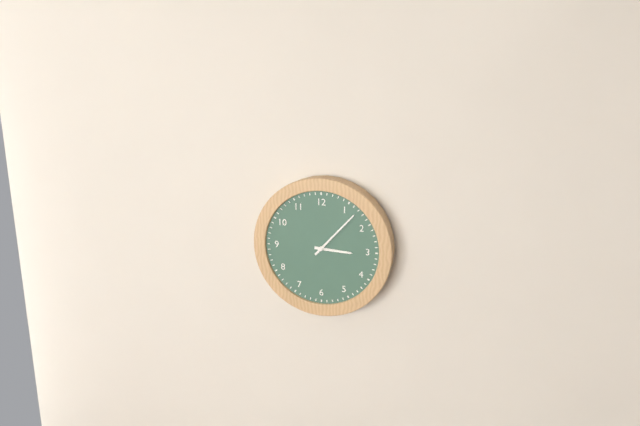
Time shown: **3:07**
